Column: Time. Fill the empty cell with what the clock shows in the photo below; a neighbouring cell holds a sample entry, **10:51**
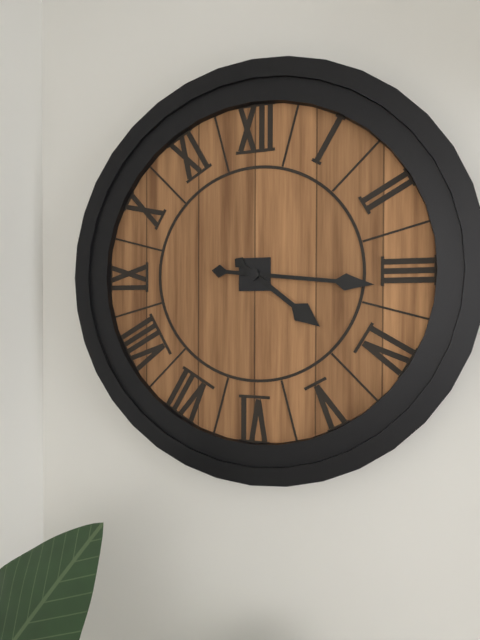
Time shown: **4:16**
